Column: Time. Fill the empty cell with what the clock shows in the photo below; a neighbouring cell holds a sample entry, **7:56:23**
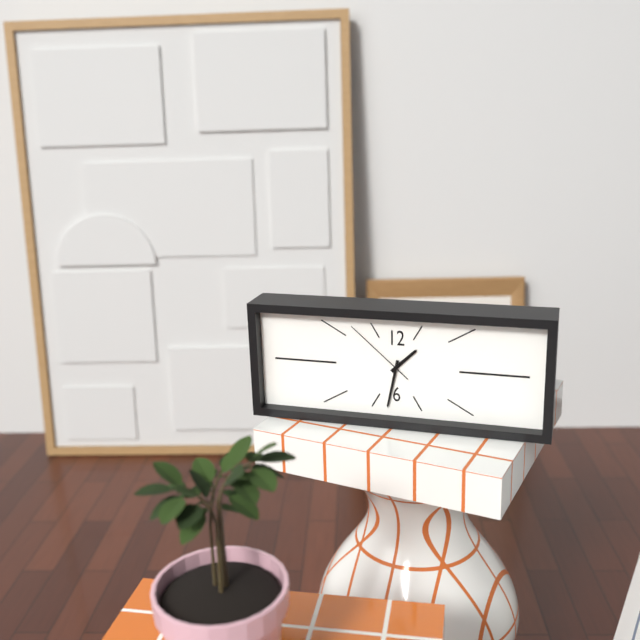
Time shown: **1:32:52**
